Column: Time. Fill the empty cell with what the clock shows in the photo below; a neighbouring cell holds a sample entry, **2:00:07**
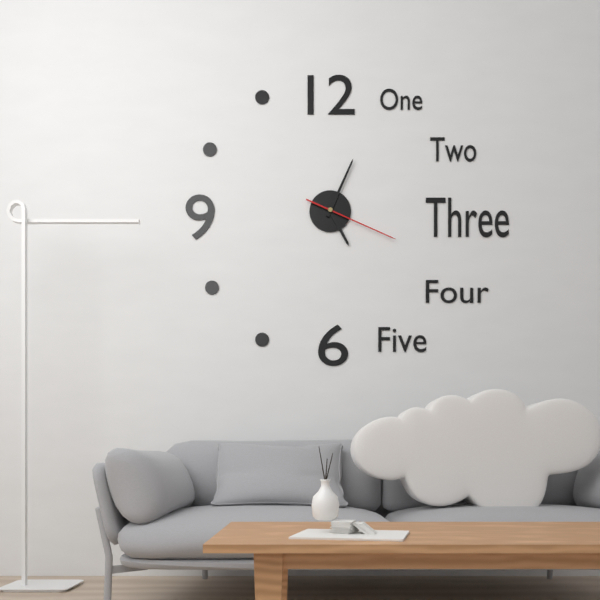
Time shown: **5:04:19**
